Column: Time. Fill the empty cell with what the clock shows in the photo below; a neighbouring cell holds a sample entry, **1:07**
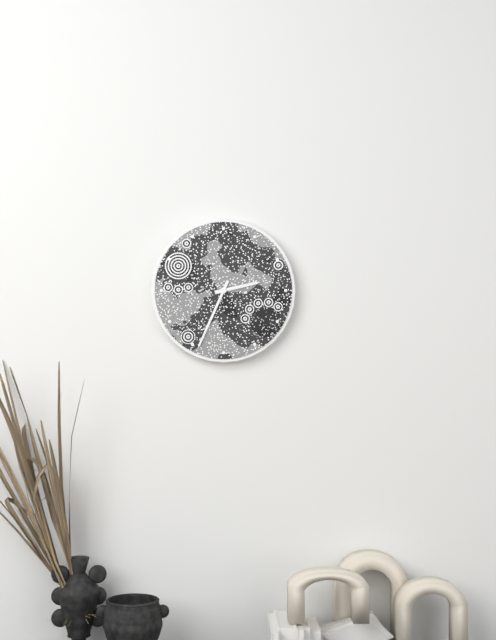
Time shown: **2:34**
